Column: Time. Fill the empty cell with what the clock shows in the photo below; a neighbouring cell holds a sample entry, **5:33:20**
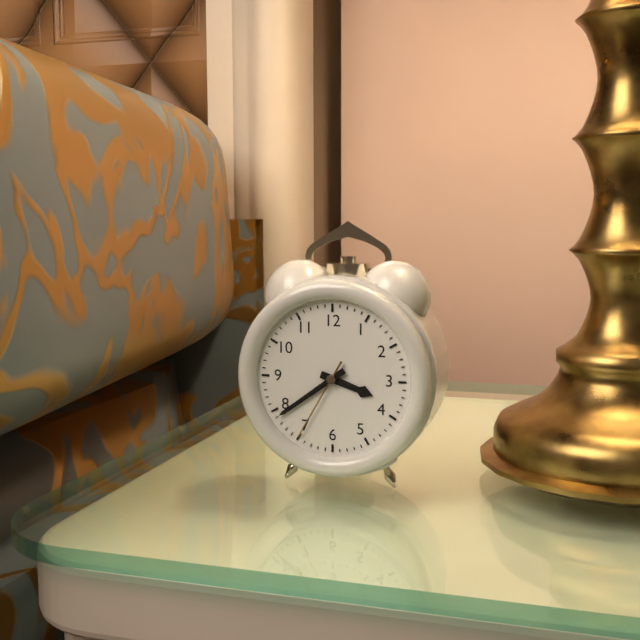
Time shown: **3:39:35**
